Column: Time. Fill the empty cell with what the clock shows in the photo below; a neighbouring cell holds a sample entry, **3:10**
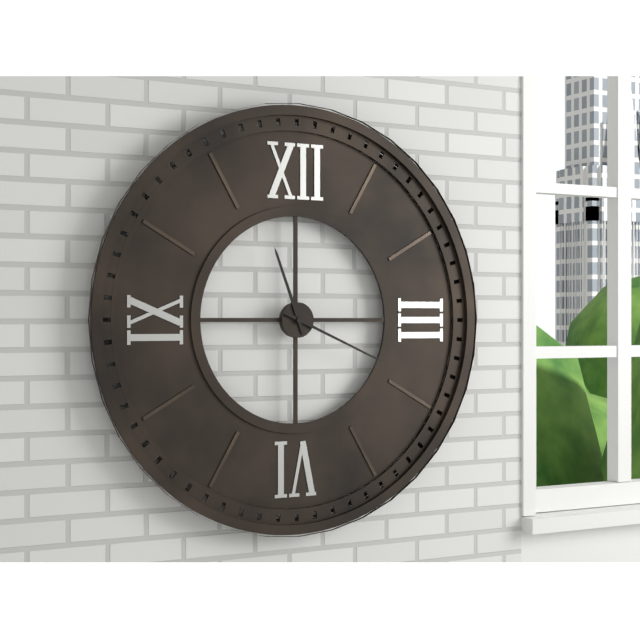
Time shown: **11:19**
